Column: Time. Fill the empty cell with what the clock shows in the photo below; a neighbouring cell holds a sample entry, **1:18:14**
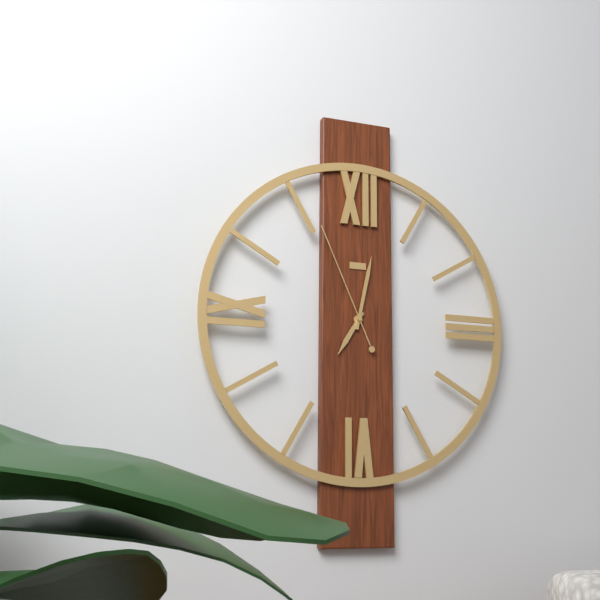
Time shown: **7:02:56**
